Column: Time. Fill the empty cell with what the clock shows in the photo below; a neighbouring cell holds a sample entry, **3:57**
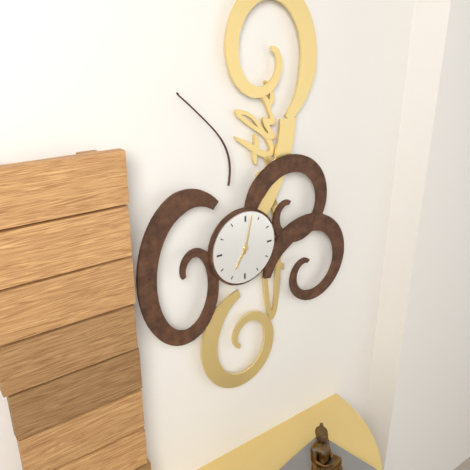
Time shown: **7:02**
